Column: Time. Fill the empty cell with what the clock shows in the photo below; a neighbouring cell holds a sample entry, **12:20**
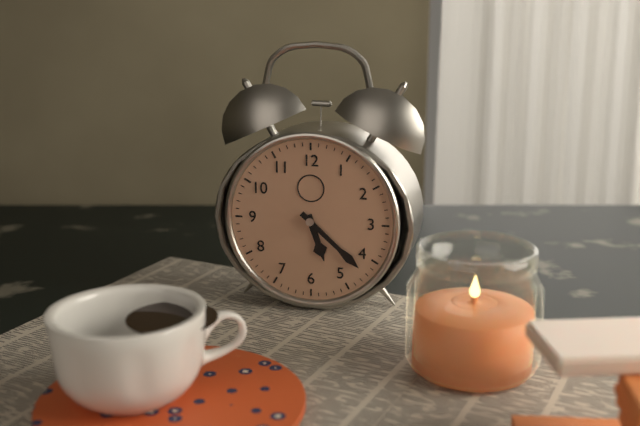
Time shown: **5:22**
